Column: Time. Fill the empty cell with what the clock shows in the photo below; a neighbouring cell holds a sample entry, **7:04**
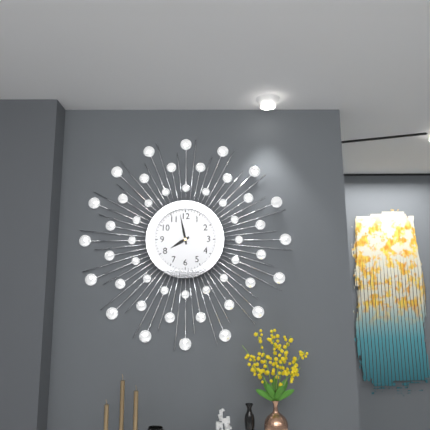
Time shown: **7:58**
